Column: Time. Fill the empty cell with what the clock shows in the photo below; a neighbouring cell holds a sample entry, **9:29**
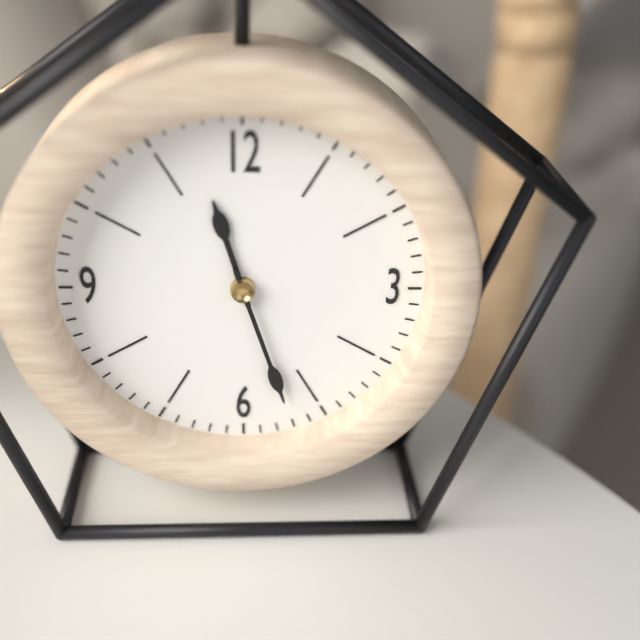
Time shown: **11:27**
